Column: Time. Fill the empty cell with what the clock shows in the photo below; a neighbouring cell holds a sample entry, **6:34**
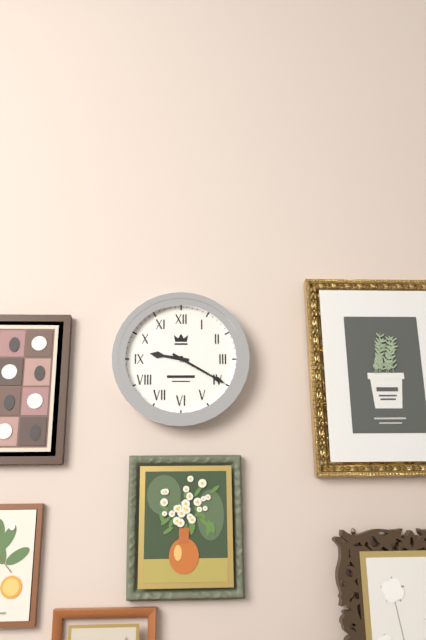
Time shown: **9:20**
